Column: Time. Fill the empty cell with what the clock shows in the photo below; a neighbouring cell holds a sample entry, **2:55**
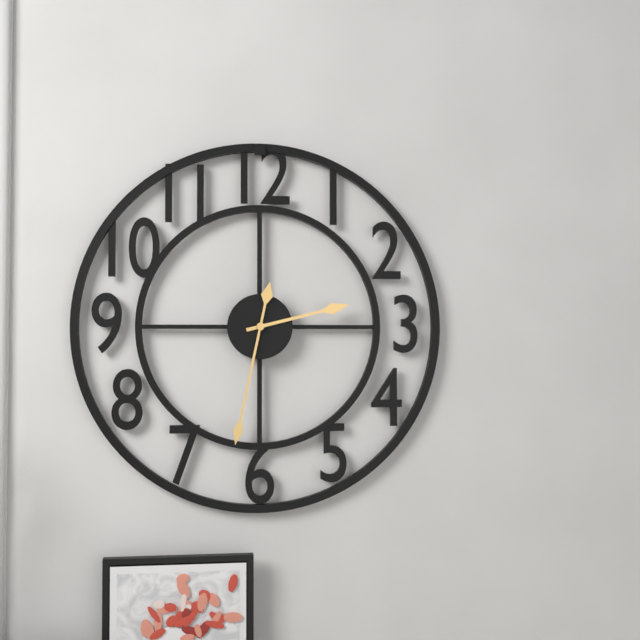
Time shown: **2:32**
